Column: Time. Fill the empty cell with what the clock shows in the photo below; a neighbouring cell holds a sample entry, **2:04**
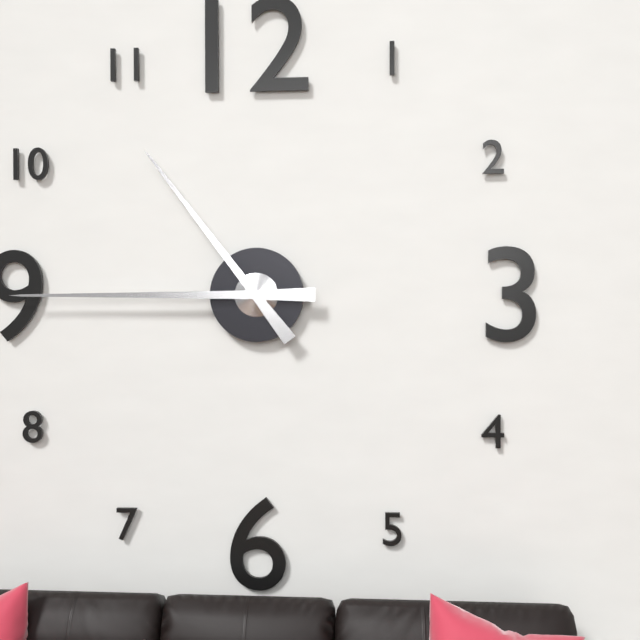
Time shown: **10:45**
